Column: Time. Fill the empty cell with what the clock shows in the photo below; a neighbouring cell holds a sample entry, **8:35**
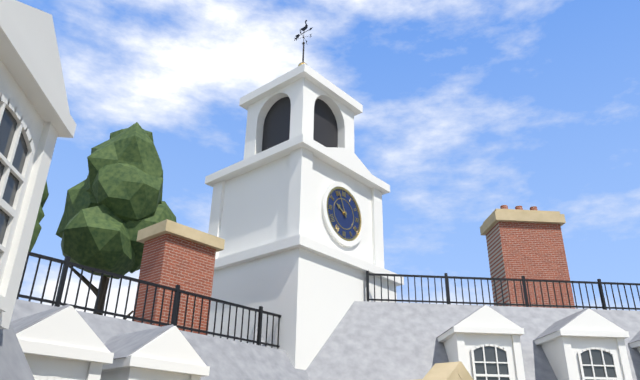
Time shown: **9:56**
